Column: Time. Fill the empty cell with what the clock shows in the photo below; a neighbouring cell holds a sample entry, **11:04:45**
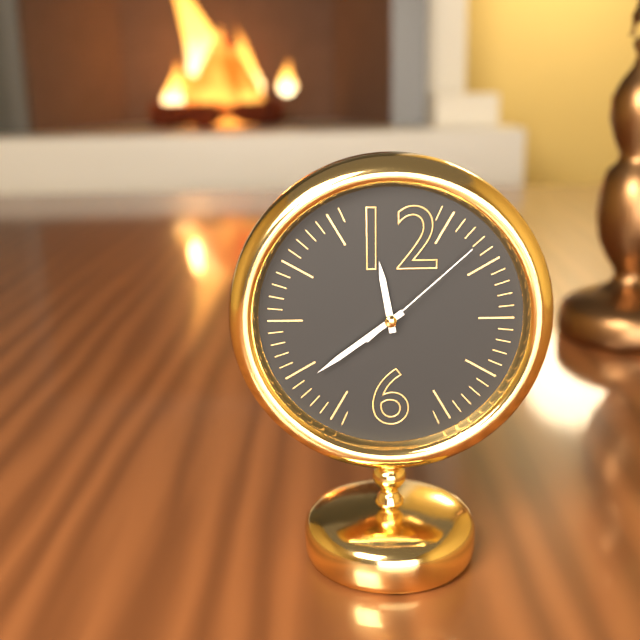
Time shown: **11:39:08**
